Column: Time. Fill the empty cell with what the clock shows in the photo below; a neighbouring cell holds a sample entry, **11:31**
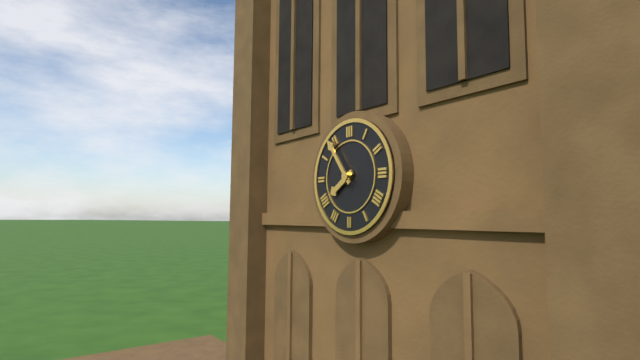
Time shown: **7:54**
